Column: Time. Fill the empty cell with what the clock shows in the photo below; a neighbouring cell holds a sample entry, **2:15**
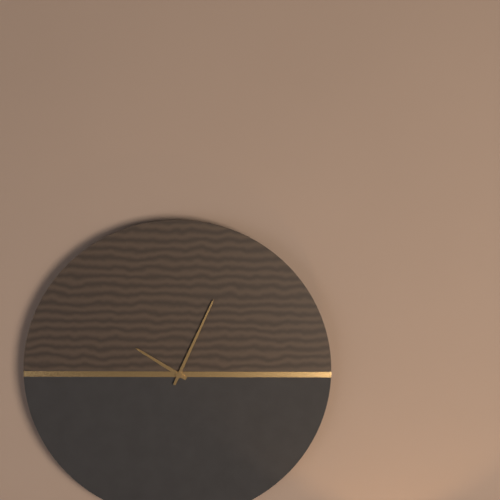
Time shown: **10:04**
